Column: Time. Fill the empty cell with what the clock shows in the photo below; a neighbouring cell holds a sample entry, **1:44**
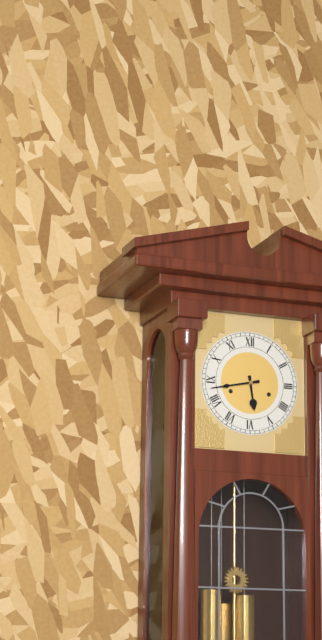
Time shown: **5:43**
